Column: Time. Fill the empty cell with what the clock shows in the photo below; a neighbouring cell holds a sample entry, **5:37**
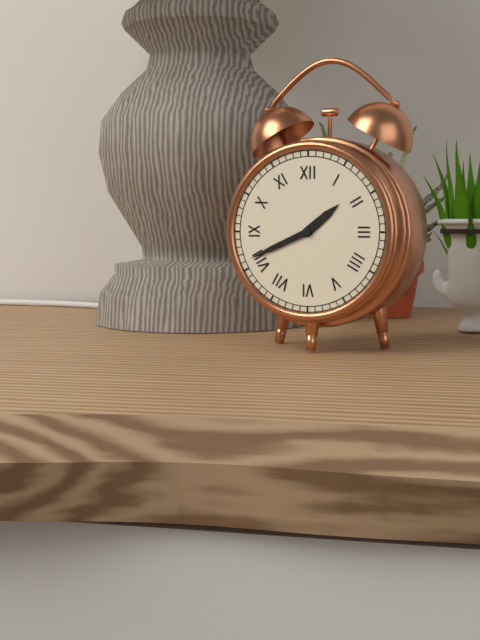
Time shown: **1:41**
